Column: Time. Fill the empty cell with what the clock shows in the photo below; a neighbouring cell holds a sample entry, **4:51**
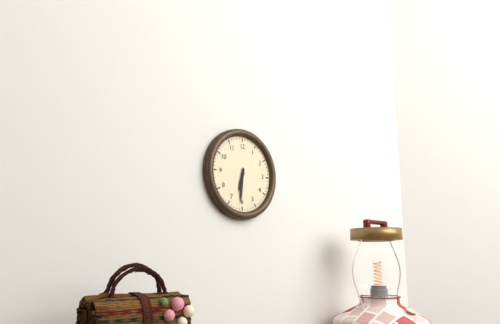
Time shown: **6:31**
